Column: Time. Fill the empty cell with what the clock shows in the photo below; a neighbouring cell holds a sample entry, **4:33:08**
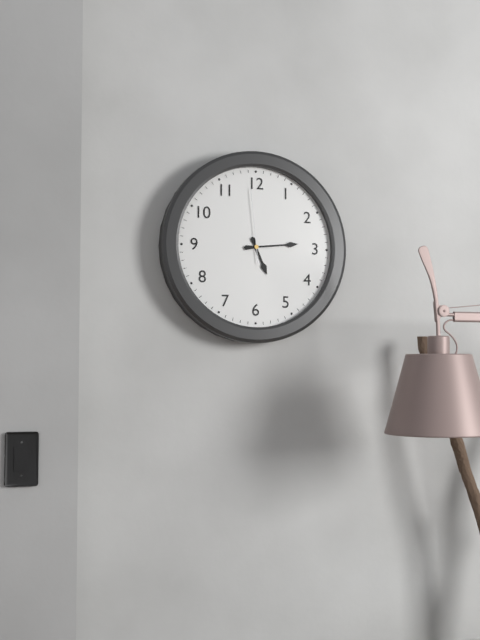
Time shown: **5:14:59**
